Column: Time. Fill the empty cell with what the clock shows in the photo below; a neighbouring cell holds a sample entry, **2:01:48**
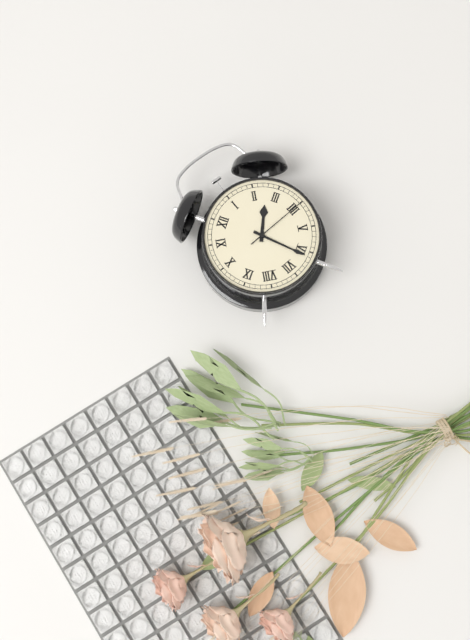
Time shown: **2:31:20**
